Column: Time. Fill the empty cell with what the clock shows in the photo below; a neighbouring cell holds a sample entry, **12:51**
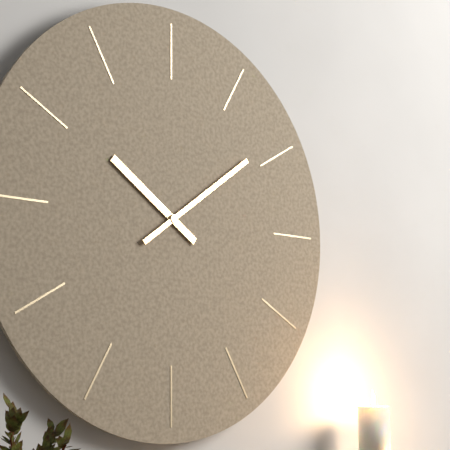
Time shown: **10:09**
